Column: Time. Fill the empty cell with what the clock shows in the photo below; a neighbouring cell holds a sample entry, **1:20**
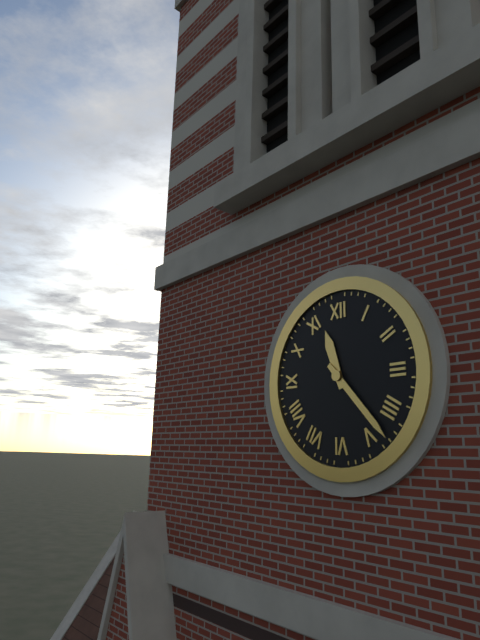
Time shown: **11:23**
